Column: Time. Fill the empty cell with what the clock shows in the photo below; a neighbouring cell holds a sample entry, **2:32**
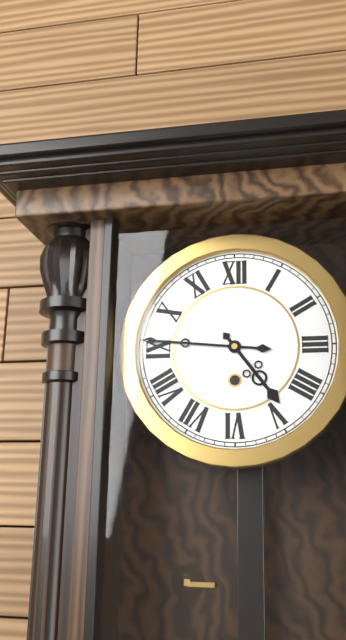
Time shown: **4:46**
